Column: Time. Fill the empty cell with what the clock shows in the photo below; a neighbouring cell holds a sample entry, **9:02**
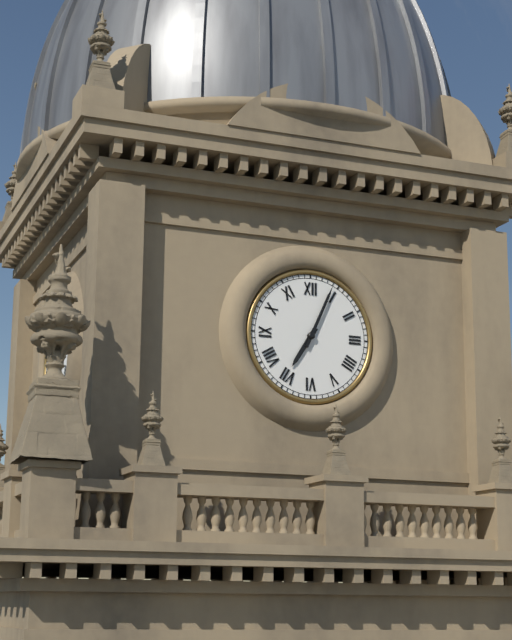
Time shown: **7:04**
